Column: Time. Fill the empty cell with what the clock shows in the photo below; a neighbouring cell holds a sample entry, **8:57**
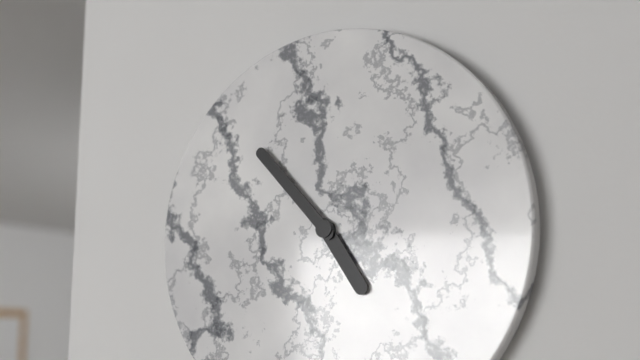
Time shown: **4:53**
